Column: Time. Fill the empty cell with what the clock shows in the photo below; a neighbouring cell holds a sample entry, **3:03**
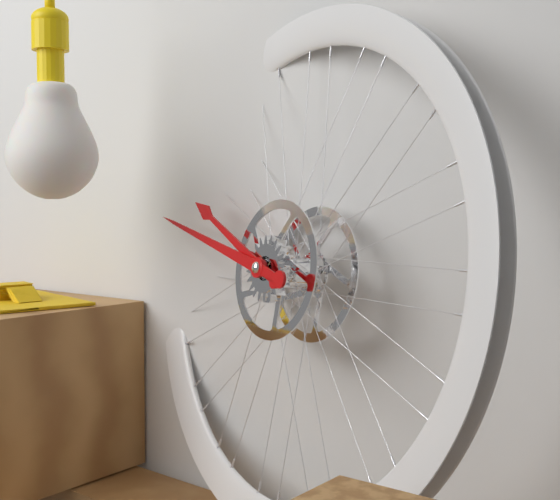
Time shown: **9:47**
